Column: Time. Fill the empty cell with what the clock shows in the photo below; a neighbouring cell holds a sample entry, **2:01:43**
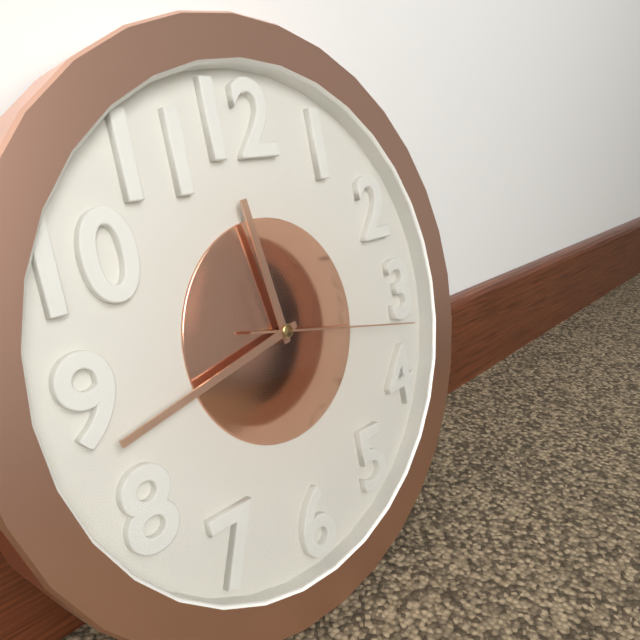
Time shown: **11:43:17**
